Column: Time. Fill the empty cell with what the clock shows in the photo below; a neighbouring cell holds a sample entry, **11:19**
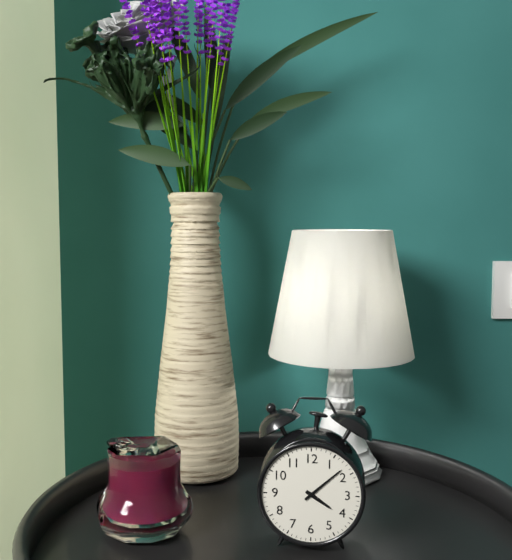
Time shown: **4:08**
